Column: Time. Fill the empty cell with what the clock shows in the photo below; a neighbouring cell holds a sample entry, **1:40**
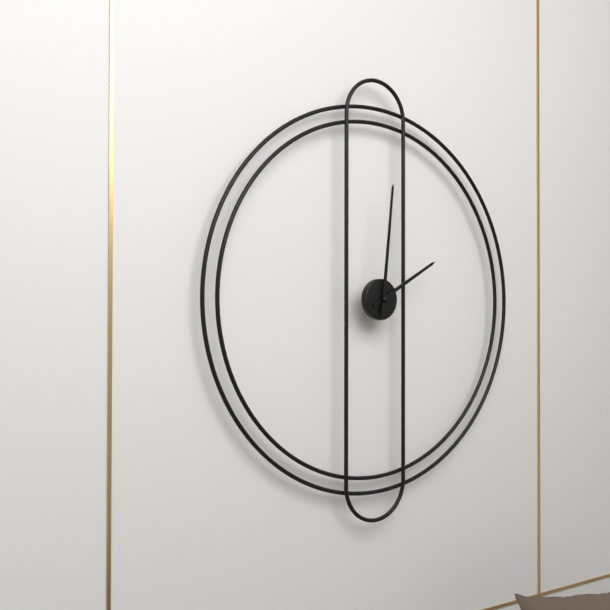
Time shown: **2:01**
